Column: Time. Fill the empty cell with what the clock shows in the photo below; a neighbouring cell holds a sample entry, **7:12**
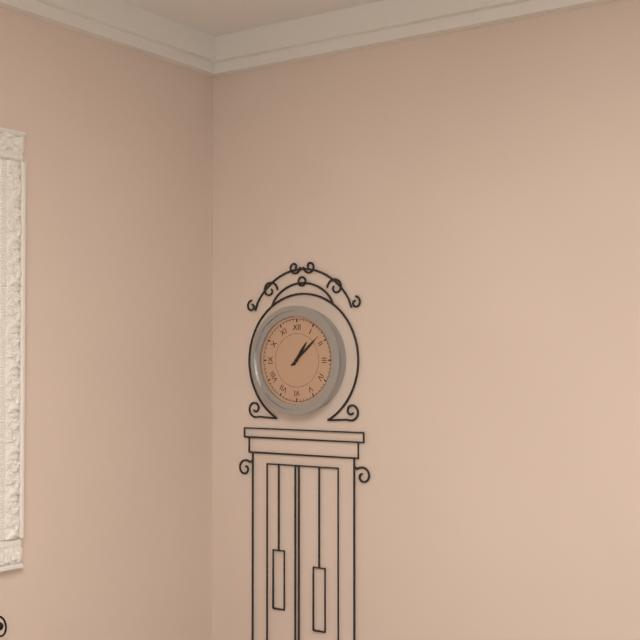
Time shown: **1:08**
